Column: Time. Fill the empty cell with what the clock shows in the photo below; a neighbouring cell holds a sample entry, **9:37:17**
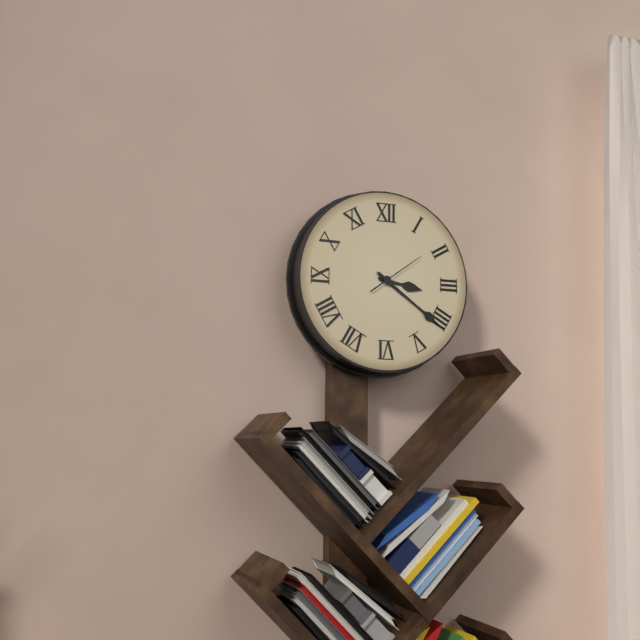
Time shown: **3:21:09**
